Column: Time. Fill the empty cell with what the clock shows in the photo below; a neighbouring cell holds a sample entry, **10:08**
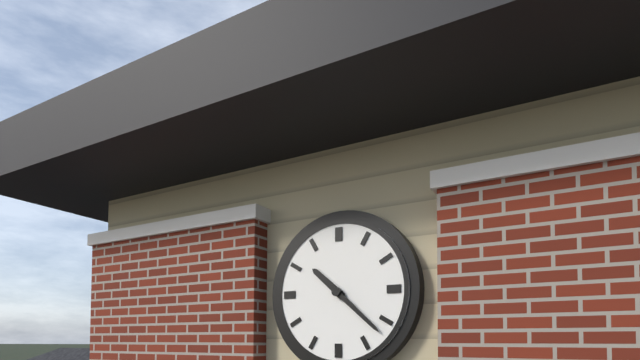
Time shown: **10:22**
